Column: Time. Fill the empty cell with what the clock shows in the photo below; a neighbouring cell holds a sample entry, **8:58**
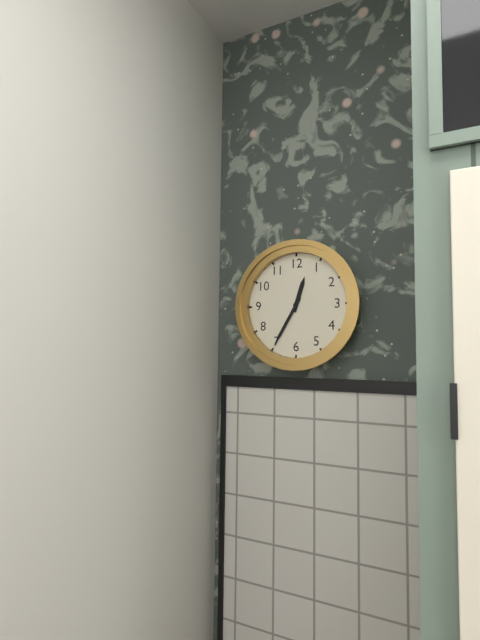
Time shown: **12:35**
